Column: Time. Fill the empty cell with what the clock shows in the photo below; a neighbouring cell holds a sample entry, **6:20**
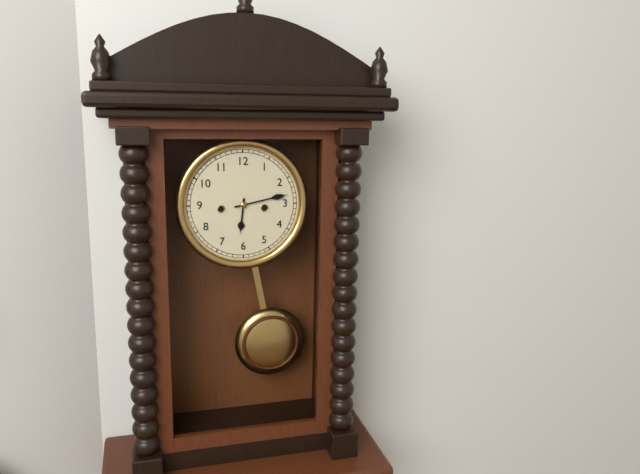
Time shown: **6:13**
